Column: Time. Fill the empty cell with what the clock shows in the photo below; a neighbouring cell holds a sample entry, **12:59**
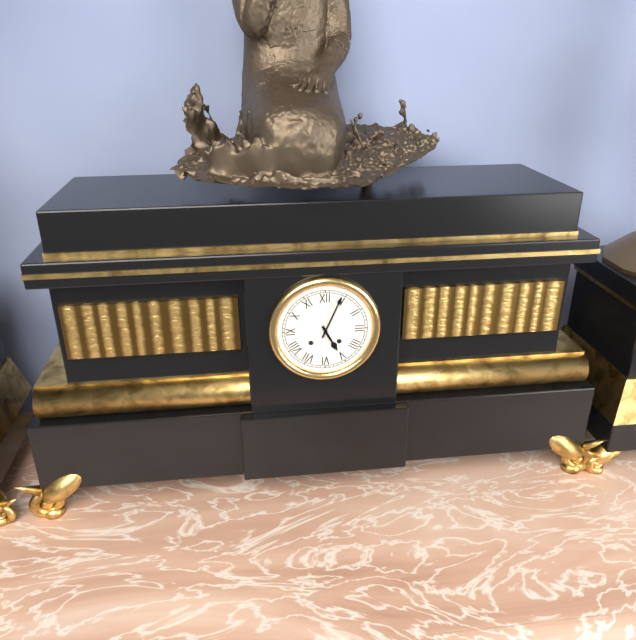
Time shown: **5:04**
